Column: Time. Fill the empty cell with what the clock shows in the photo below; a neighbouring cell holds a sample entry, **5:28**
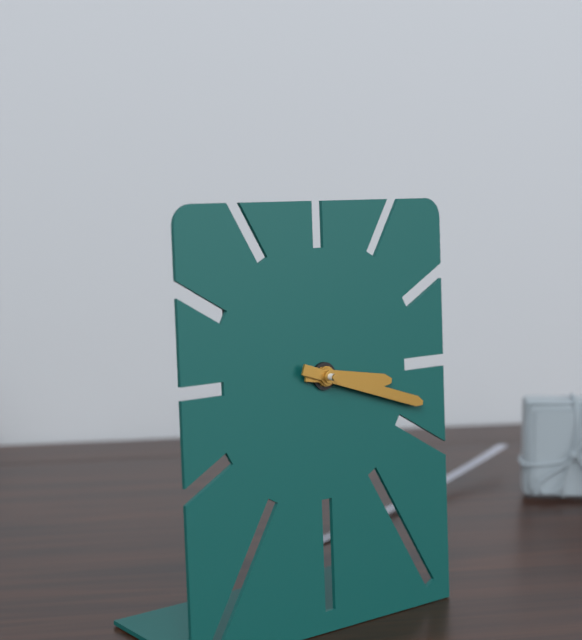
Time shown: **3:18**
